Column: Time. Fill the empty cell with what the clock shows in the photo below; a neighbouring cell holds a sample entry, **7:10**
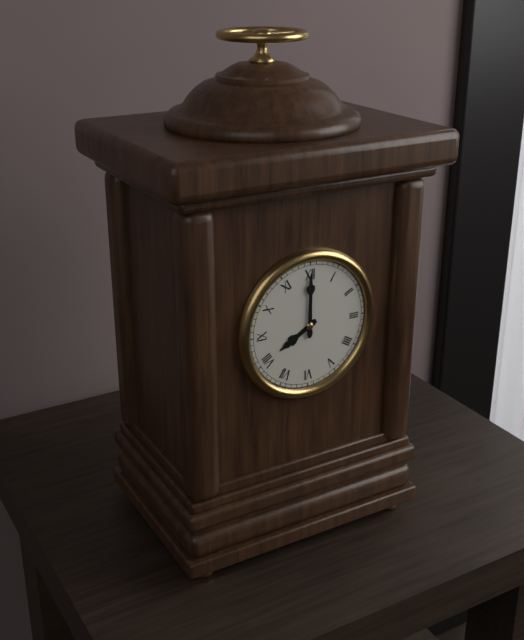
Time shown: **8:00**
